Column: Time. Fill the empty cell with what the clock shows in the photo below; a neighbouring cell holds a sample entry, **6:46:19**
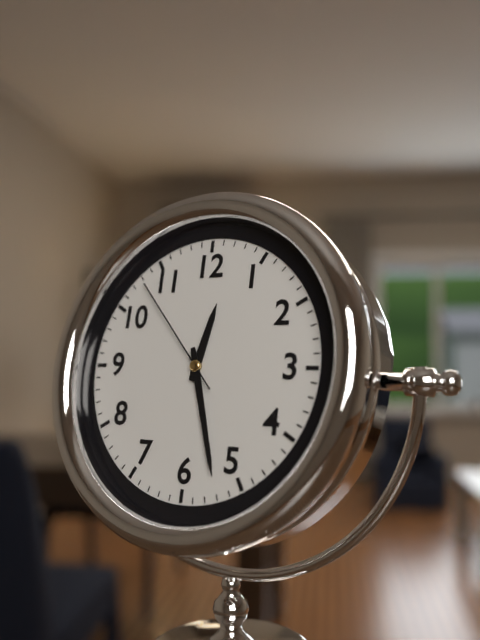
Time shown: **12:27:53**
